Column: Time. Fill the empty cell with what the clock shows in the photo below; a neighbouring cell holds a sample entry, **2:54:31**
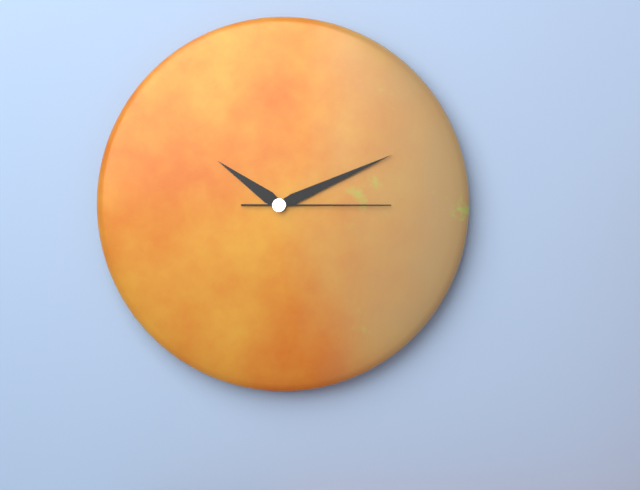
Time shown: **10:11:15**
